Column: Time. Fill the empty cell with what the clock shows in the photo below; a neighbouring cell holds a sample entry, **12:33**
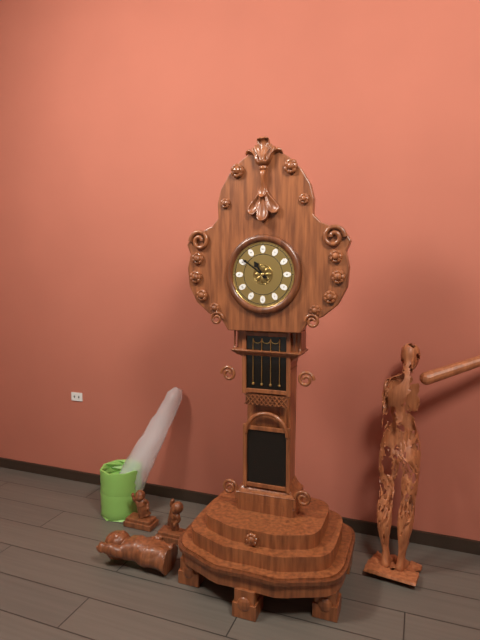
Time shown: **10:51**
